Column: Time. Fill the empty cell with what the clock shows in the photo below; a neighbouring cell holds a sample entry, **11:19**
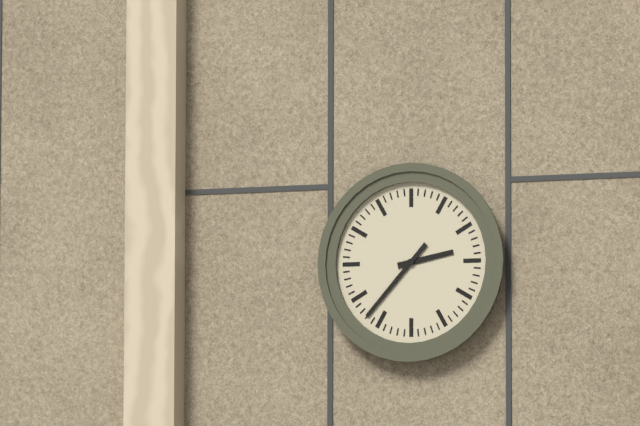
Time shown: **2:37**
